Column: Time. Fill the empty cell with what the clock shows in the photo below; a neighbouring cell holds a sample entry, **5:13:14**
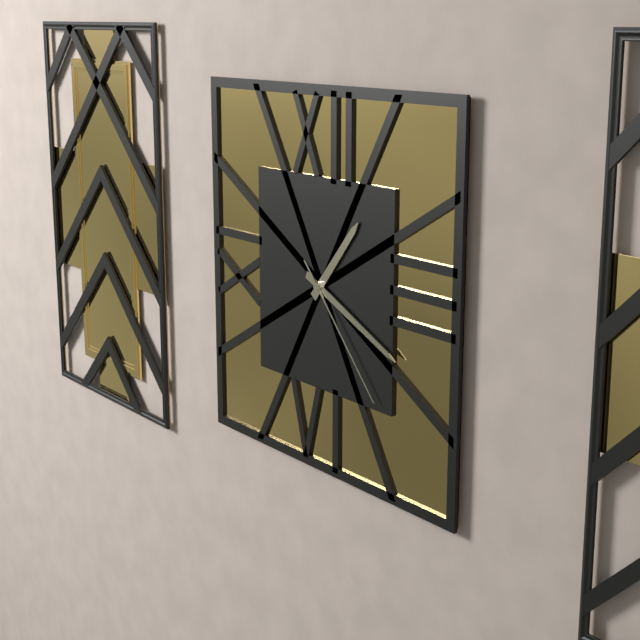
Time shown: **1:19:23**
